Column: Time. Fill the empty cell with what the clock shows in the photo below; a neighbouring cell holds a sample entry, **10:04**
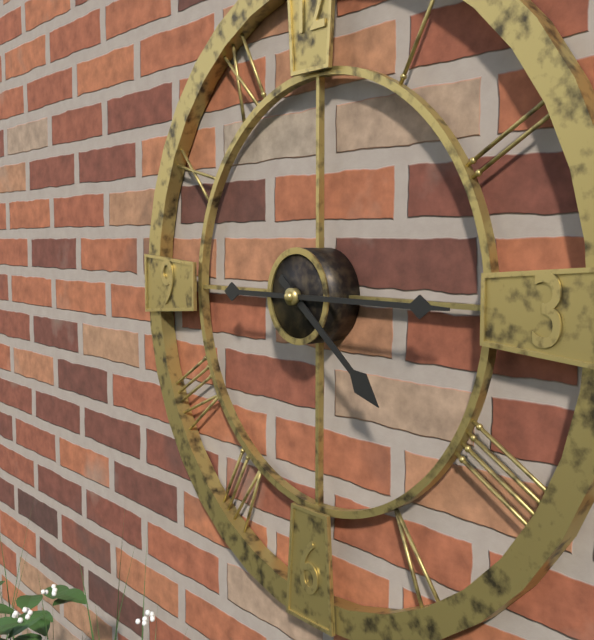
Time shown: **4:15**
